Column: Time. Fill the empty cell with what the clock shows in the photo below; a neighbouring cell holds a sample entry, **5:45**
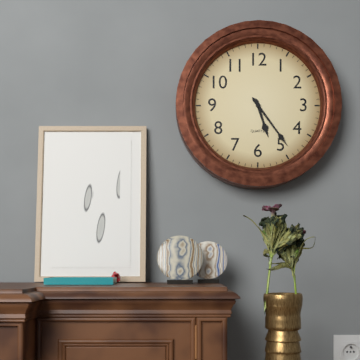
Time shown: **5:24**
